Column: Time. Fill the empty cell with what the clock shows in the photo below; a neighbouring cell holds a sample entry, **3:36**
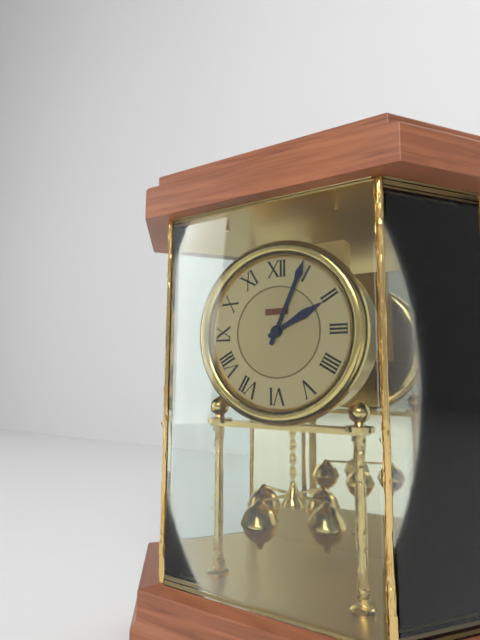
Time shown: **2:04**
